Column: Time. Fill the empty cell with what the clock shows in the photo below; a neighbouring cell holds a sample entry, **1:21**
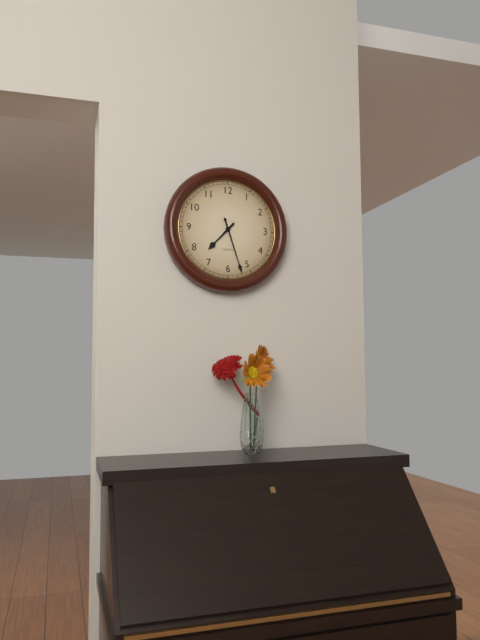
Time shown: **7:27**
